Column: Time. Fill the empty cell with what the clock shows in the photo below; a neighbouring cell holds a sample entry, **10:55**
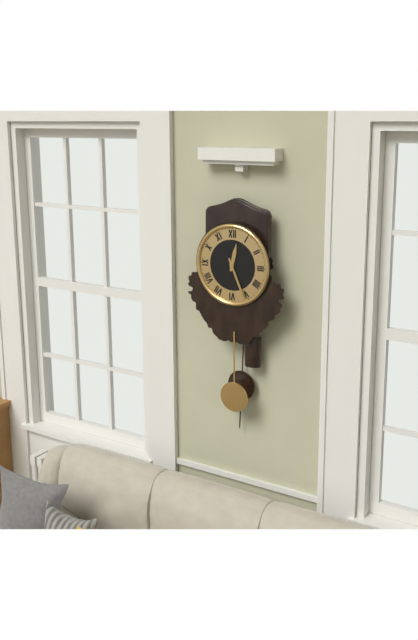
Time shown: **12:26**
